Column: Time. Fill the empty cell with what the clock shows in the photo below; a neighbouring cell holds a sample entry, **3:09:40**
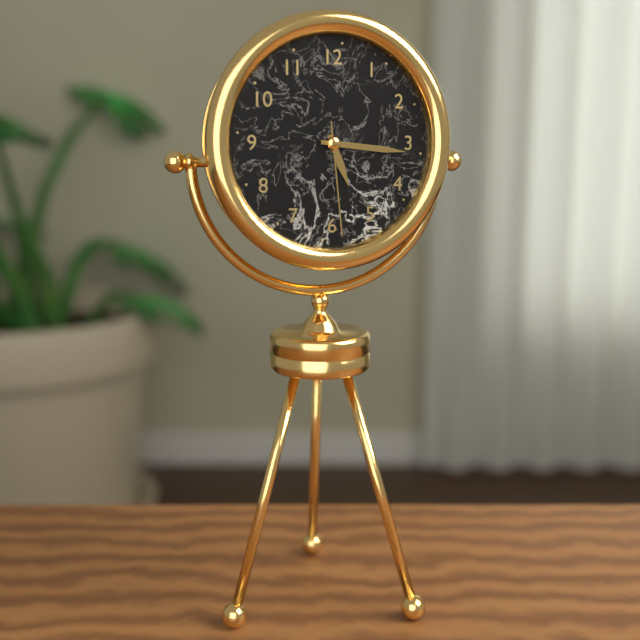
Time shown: **5:16:29**
